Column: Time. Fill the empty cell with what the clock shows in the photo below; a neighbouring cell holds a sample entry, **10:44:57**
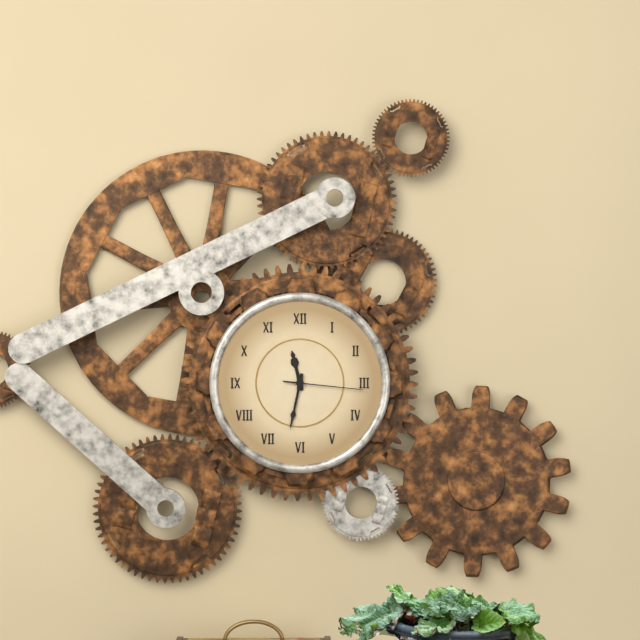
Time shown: **11:32:16**
